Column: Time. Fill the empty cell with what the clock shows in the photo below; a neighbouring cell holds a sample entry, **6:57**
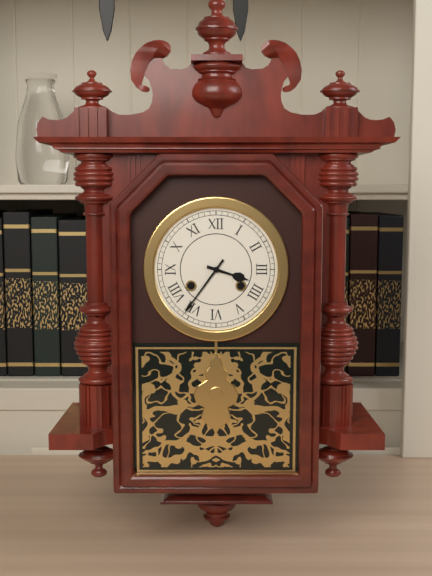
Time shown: **3:36**
